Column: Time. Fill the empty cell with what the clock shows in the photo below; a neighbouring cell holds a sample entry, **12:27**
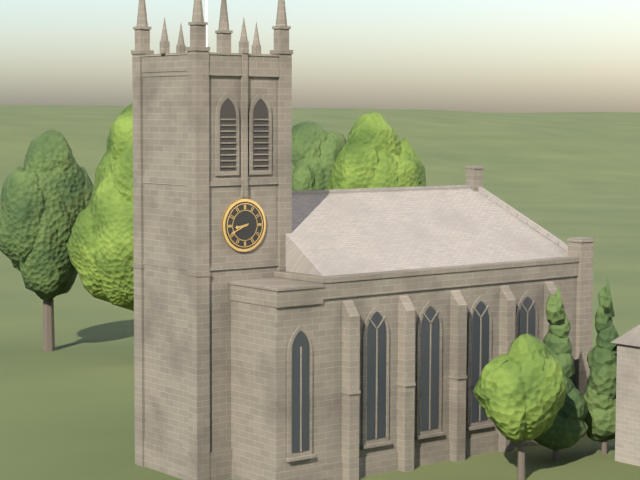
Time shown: **8:41**
